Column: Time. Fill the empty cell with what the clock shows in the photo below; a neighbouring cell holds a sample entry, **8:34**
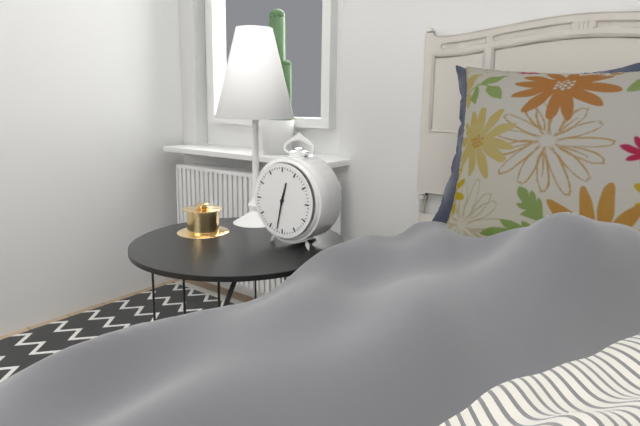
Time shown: **12:32**
